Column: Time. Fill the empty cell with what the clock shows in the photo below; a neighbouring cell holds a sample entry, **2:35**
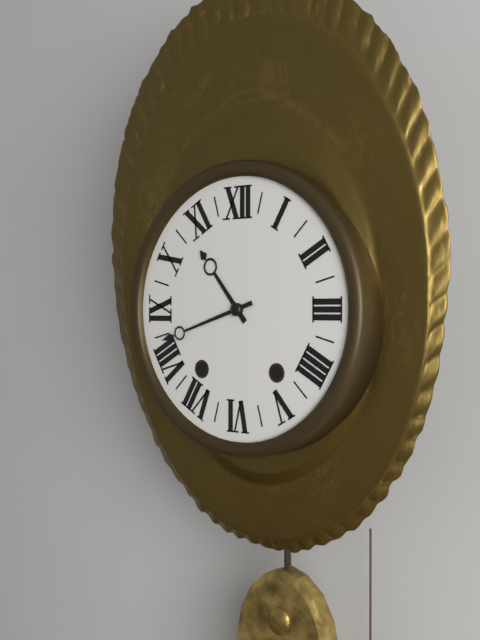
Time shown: **10:42**
